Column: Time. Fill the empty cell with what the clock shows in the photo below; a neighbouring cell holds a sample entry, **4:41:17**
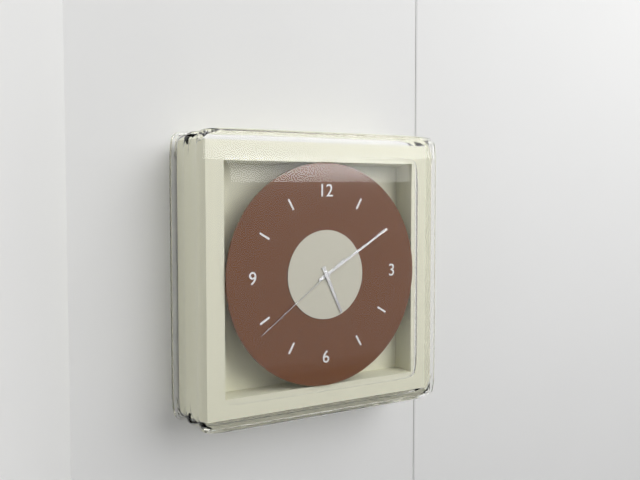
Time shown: **5:10:39**
